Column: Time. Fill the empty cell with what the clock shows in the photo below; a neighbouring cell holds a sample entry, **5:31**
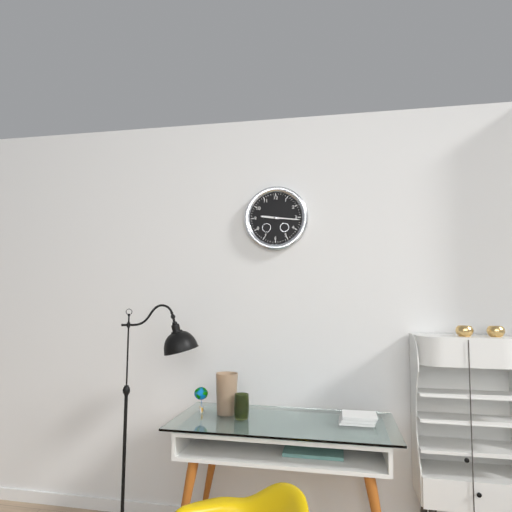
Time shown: **9:16**
